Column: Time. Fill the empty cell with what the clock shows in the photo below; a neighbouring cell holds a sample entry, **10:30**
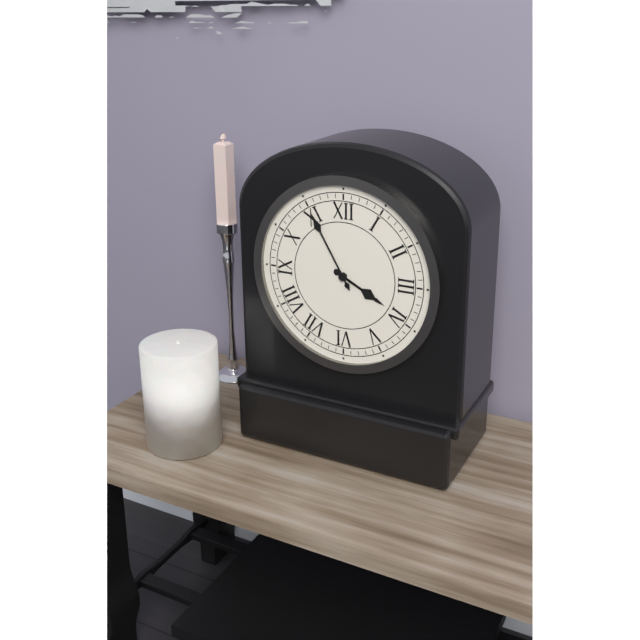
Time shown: **3:55**
